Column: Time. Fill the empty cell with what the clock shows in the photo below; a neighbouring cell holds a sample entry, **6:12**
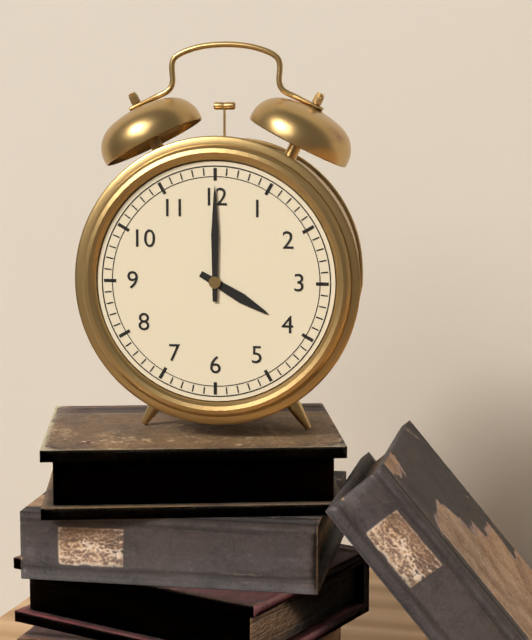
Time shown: **4:00**
